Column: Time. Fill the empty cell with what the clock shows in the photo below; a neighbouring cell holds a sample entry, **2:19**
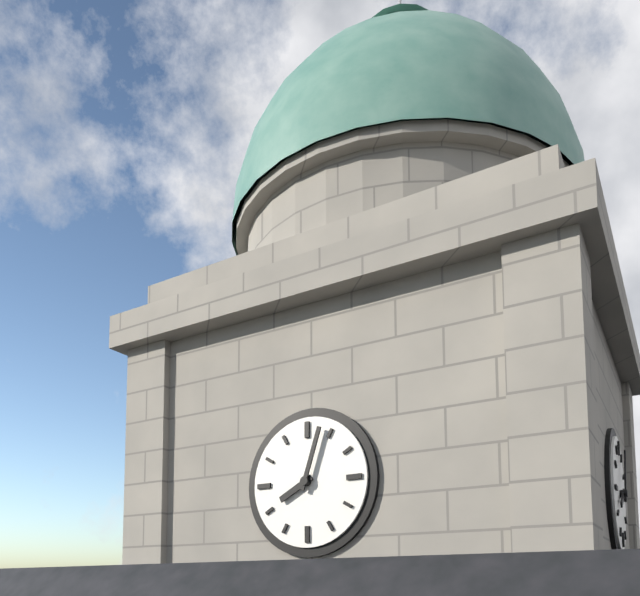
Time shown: **8:03**
